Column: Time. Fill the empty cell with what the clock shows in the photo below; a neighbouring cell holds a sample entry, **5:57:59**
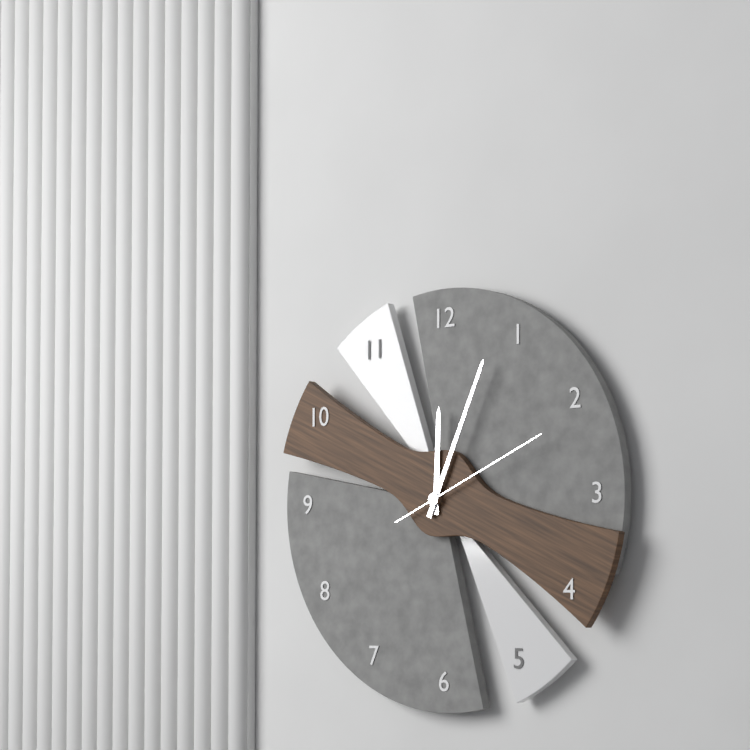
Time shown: **12:04:11**
